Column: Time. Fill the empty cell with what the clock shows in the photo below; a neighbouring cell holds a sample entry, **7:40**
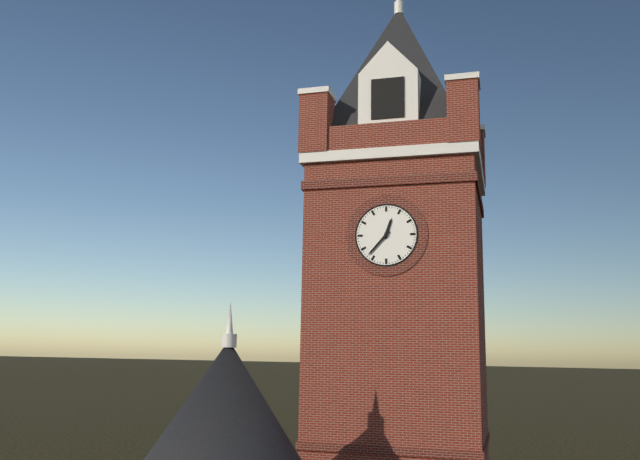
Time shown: **12:37**
